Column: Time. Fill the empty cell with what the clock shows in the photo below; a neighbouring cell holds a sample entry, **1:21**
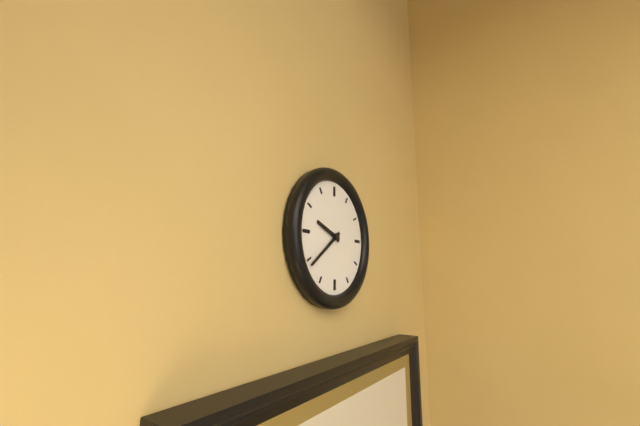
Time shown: **9:39**
